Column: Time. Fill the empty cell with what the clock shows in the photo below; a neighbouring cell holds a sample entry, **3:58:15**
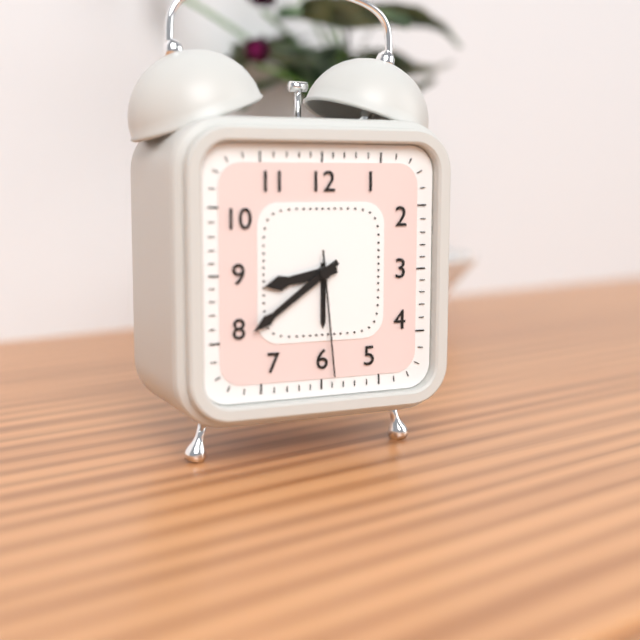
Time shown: **8:39:29**
